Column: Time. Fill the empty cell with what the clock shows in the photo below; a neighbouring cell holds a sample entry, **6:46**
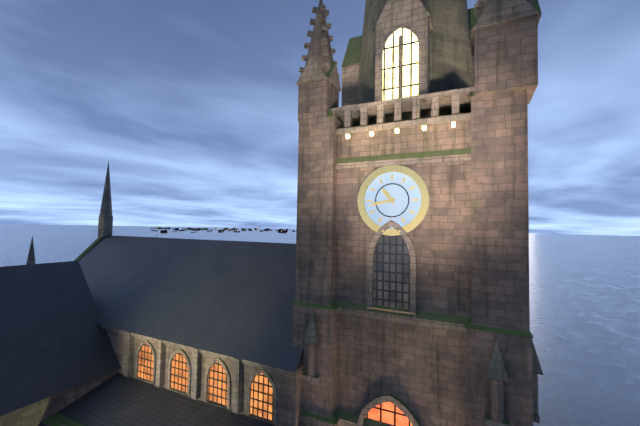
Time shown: **10:43**
